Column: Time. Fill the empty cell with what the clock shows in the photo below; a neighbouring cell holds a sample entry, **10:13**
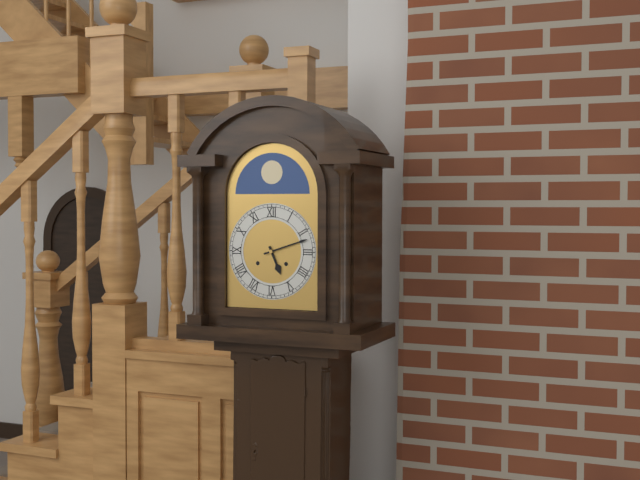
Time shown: **5:12**
